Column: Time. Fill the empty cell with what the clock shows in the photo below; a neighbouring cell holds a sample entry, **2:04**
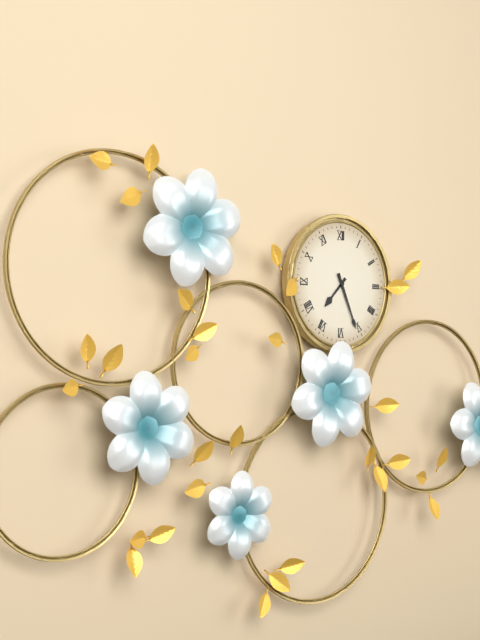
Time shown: **7:26**
